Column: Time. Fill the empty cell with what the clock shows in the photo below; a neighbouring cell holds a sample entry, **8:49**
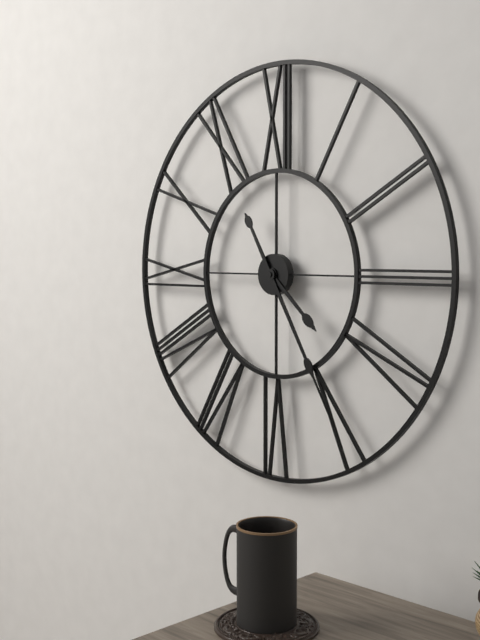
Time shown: **4:25**
